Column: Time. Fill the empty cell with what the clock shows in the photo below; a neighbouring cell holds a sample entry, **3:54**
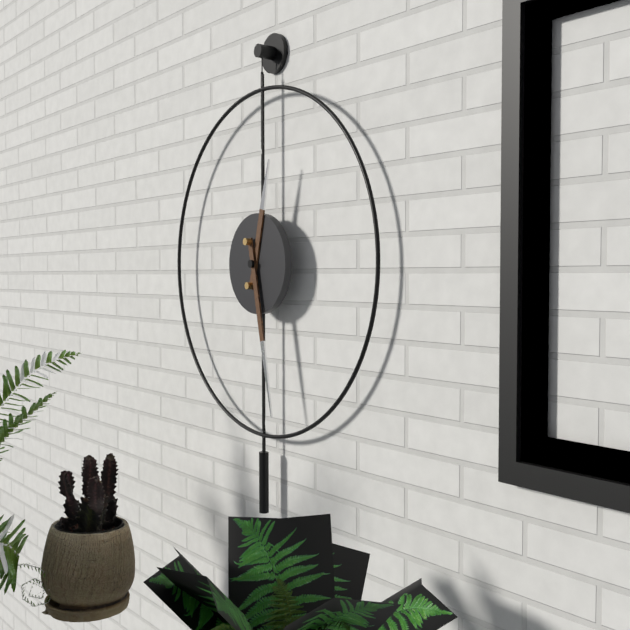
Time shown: **12:28**
